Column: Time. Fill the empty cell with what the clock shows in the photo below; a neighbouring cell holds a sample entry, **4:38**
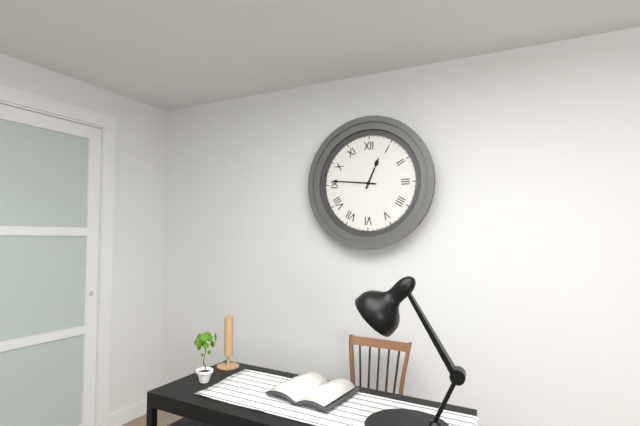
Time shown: **12:46**
